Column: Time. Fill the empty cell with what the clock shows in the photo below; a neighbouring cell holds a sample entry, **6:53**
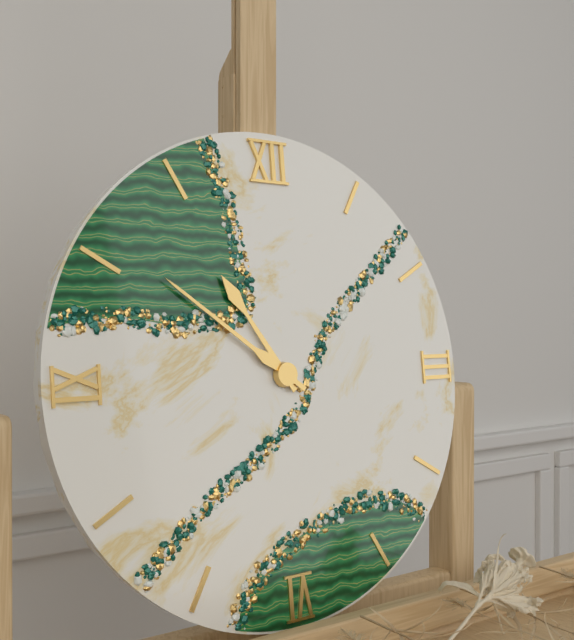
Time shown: **10:51**
